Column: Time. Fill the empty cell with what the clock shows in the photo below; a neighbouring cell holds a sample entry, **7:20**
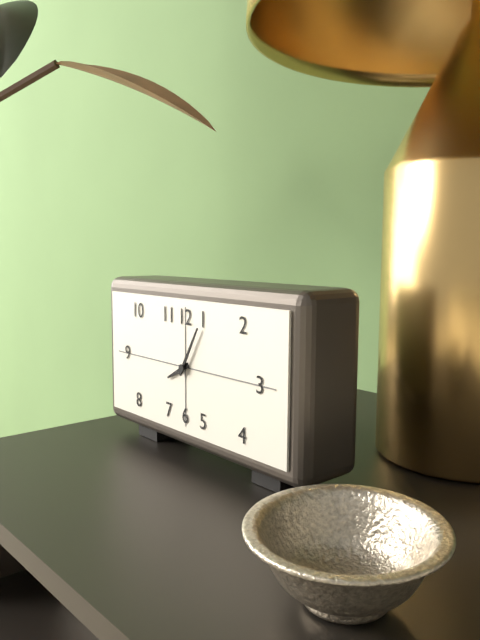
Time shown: **8:05**
